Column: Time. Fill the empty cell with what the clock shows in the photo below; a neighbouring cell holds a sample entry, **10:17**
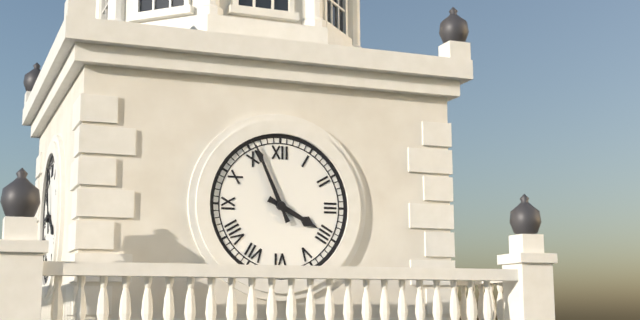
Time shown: **3:56**
